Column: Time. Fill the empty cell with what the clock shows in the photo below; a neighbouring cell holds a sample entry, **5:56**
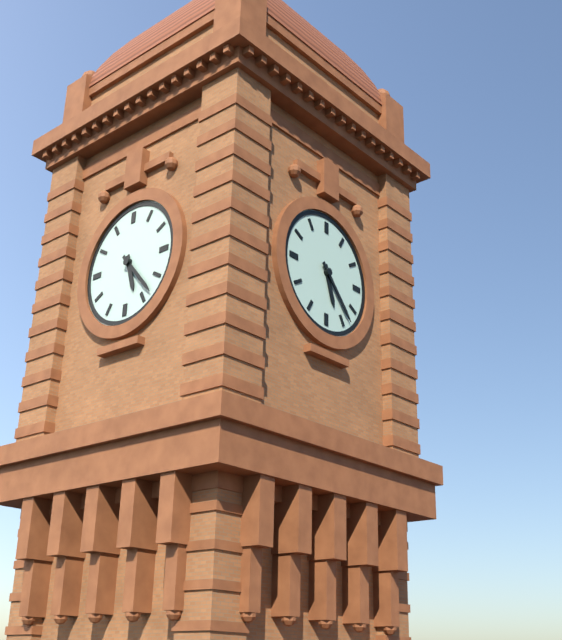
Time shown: **5:23**
